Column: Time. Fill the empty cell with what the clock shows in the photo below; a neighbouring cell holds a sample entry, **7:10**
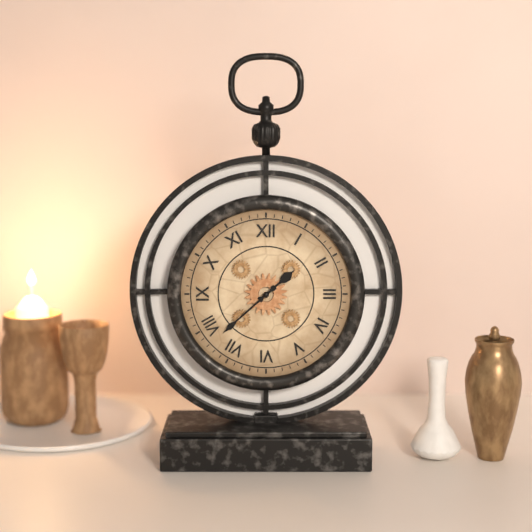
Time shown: **1:38**
